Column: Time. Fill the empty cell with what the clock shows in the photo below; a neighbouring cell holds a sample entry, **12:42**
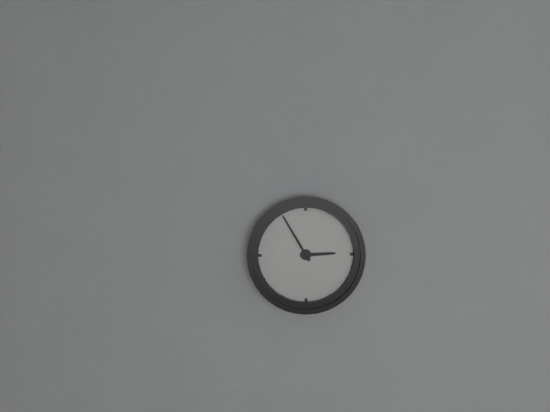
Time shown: **2:55**
